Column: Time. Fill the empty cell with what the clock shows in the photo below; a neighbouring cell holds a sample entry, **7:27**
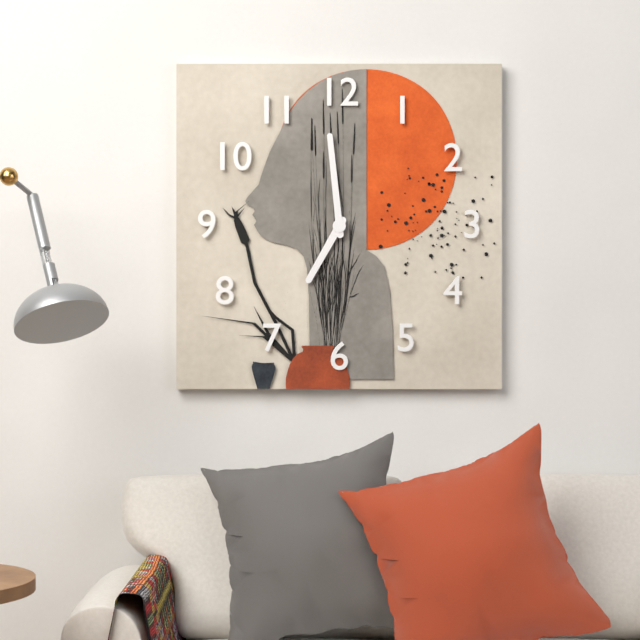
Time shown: **6:59**
